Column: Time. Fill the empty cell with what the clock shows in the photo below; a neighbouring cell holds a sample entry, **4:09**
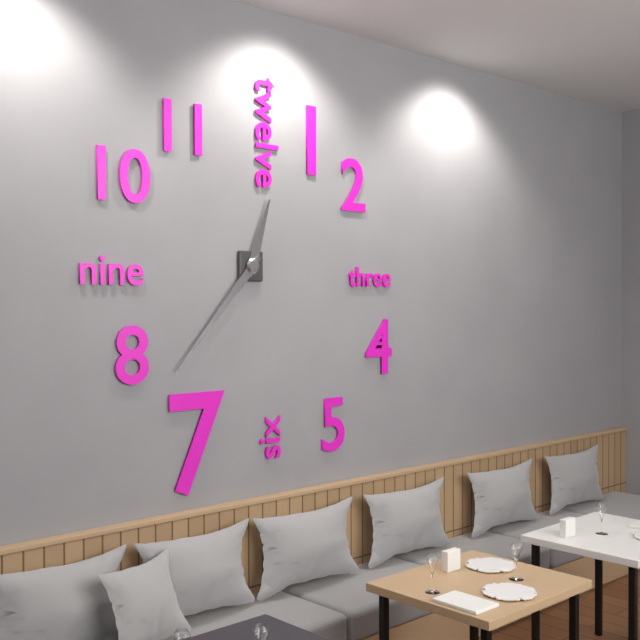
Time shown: **12:37**
